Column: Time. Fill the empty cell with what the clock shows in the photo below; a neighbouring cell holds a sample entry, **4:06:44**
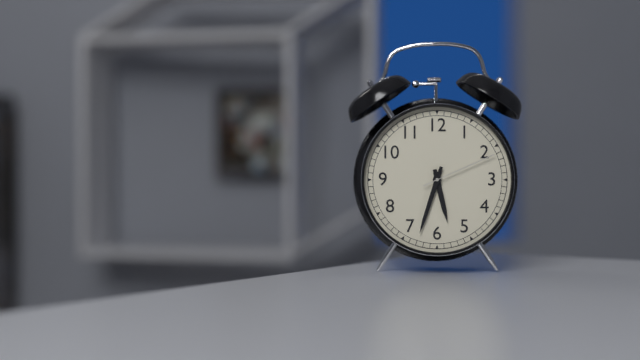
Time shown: **5:33:11**
